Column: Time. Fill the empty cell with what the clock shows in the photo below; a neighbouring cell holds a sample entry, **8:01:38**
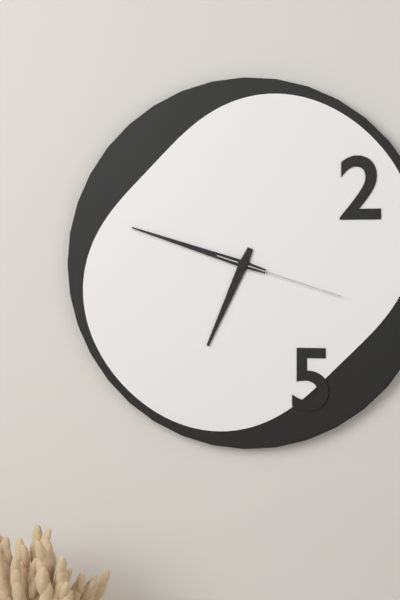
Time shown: **6:48:18**
